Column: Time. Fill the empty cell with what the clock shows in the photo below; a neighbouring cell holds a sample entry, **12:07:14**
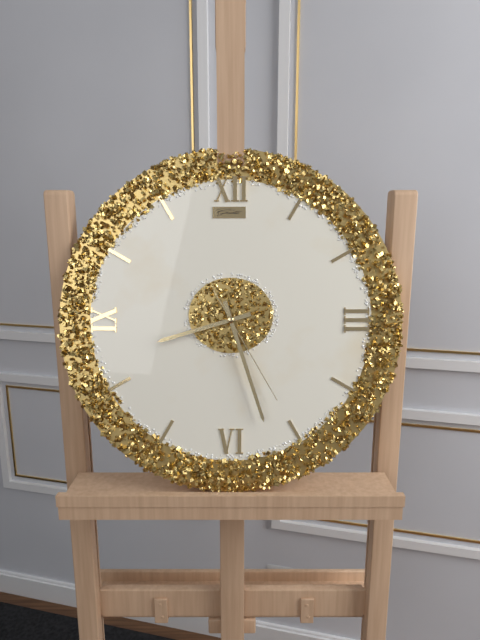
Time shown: **8:27:25**
